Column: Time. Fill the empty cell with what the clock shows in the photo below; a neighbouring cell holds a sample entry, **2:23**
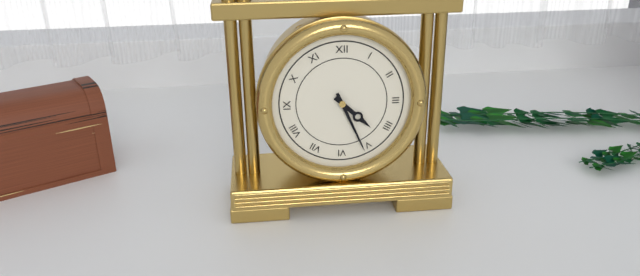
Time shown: **4:26**
